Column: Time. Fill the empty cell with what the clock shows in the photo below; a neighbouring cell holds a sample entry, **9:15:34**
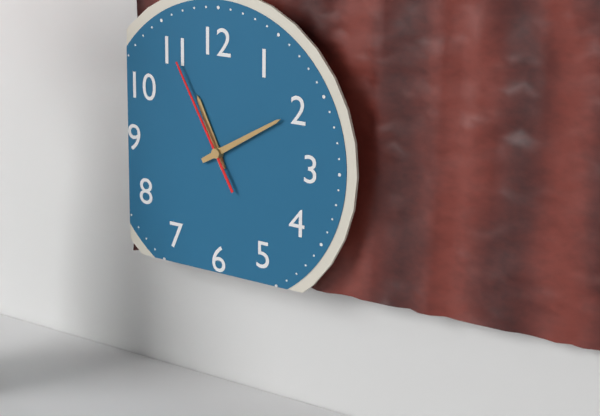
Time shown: **11:10:55**
